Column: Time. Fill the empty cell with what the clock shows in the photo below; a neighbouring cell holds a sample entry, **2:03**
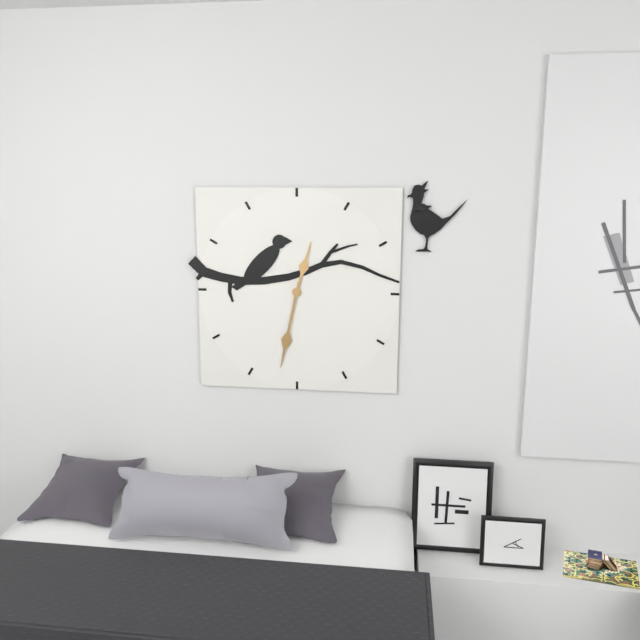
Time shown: **12:32**
